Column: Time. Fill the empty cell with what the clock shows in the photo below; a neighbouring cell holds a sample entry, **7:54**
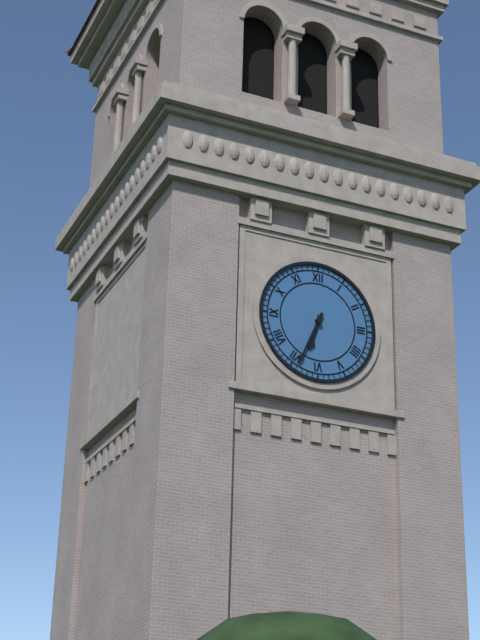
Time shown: **6:34**
